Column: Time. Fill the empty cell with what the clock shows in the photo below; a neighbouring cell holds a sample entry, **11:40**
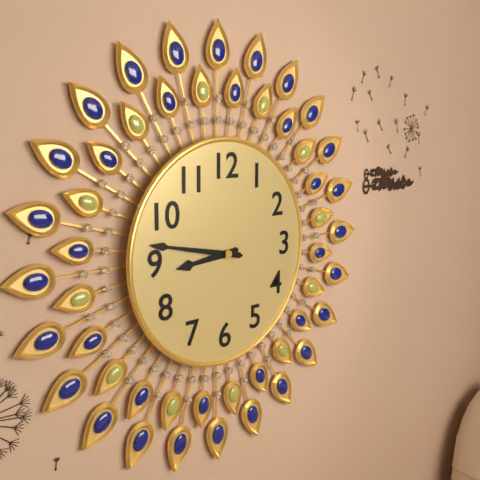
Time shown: **8:47**
